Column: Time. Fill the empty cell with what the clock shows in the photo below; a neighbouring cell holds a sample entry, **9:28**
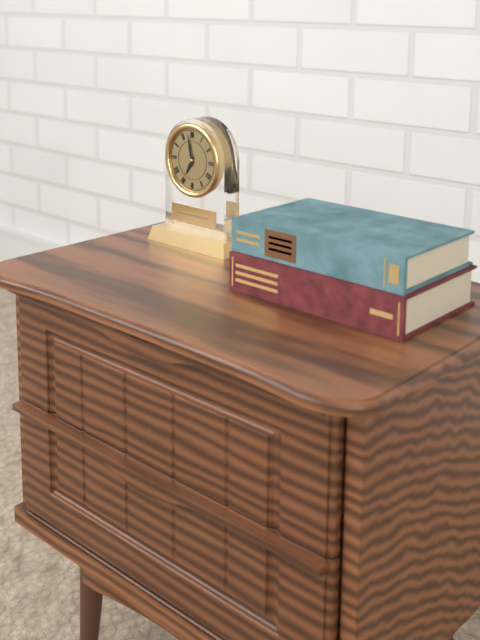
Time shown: **6:58**
